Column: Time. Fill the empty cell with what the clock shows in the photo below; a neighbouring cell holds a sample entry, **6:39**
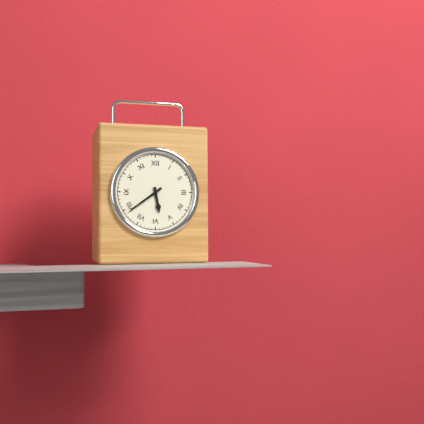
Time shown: **5:39**
